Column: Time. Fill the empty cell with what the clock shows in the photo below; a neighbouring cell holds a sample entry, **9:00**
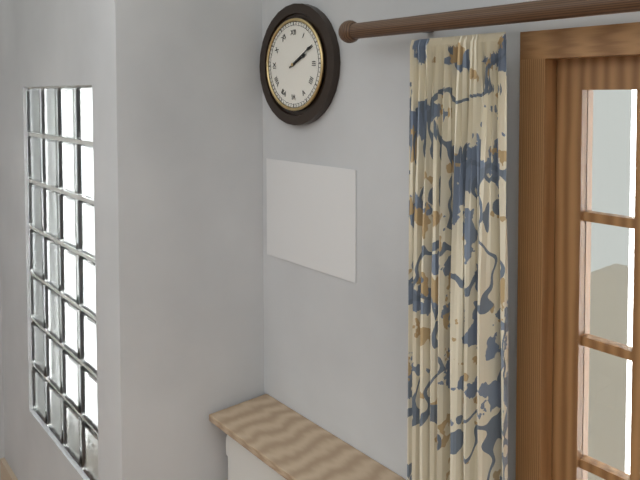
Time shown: **2:10**
